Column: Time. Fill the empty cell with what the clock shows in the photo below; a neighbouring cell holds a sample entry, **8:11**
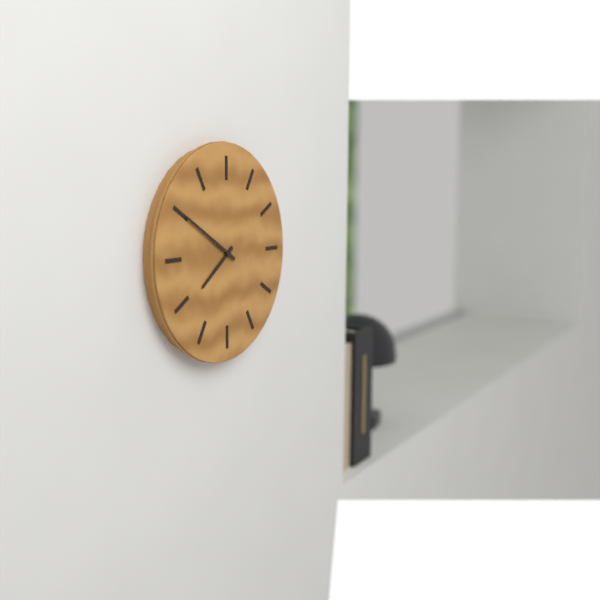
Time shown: **7:50**
